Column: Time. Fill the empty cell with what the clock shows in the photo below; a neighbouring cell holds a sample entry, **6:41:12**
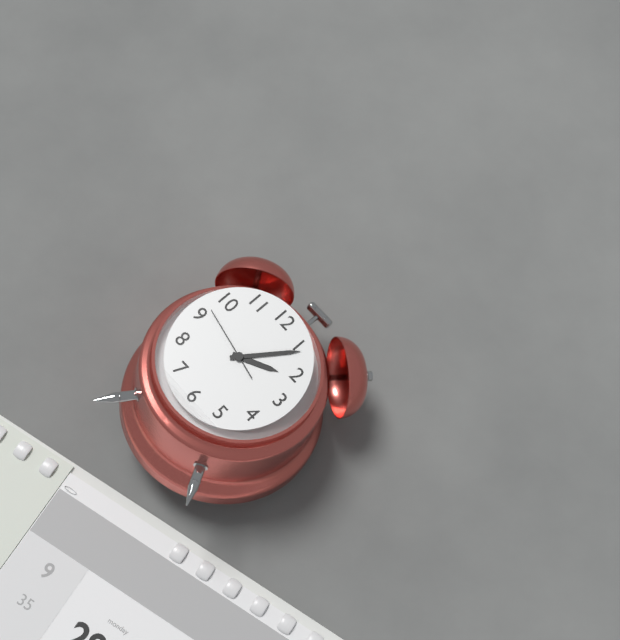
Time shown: **2:06:47**
